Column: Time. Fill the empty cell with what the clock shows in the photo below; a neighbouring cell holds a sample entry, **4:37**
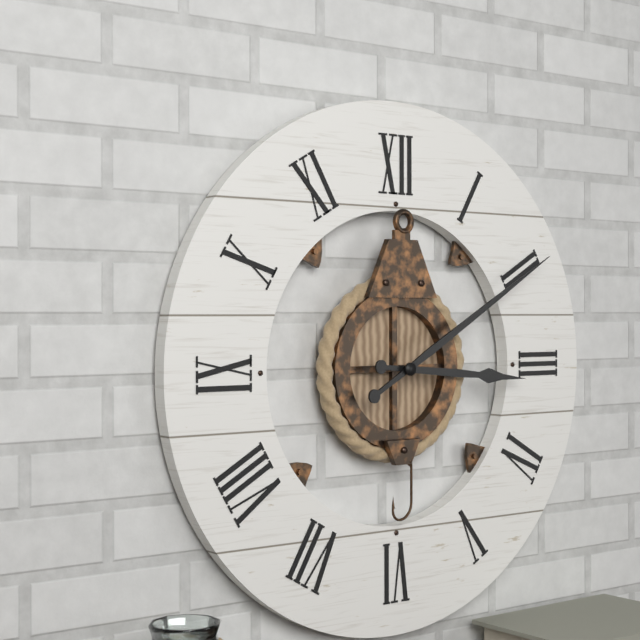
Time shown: **3:10**
